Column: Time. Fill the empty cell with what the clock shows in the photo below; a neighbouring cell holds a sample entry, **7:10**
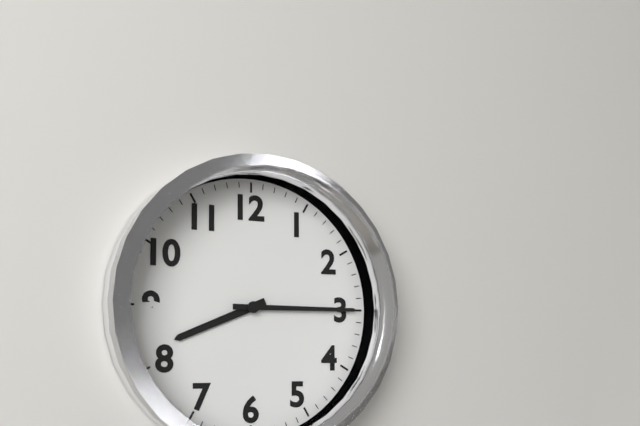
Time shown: **8:15**
